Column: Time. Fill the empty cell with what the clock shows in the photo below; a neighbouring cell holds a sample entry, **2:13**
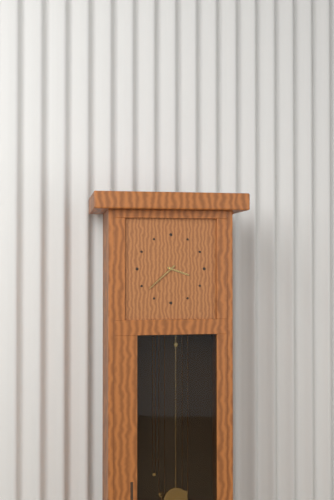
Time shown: **3:38**
